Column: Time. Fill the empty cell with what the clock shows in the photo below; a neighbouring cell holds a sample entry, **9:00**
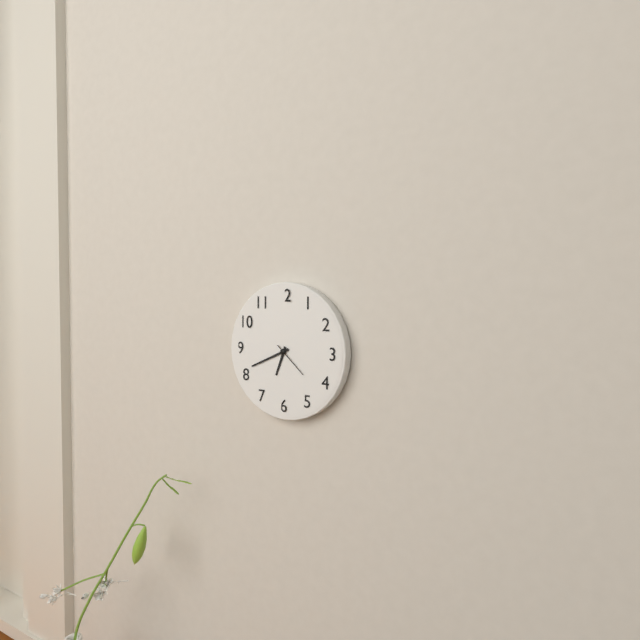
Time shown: **6:41**
